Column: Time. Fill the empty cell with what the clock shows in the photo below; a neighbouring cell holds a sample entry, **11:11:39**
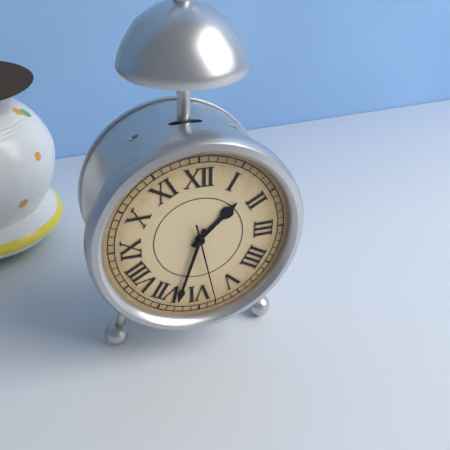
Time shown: **1:33:28**
